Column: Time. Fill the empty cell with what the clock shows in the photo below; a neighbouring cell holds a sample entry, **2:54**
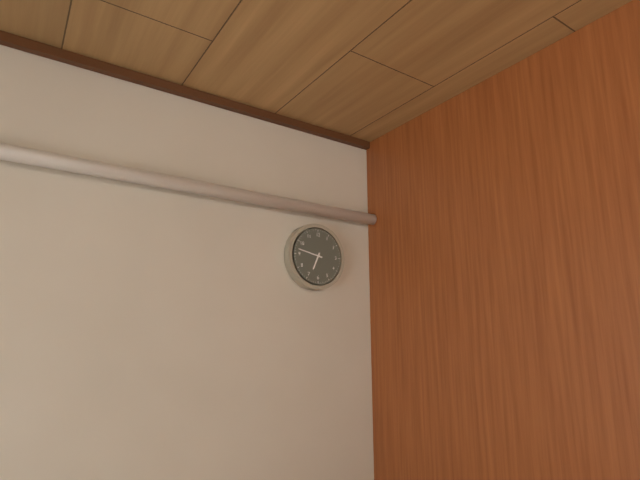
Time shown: **6:47**
